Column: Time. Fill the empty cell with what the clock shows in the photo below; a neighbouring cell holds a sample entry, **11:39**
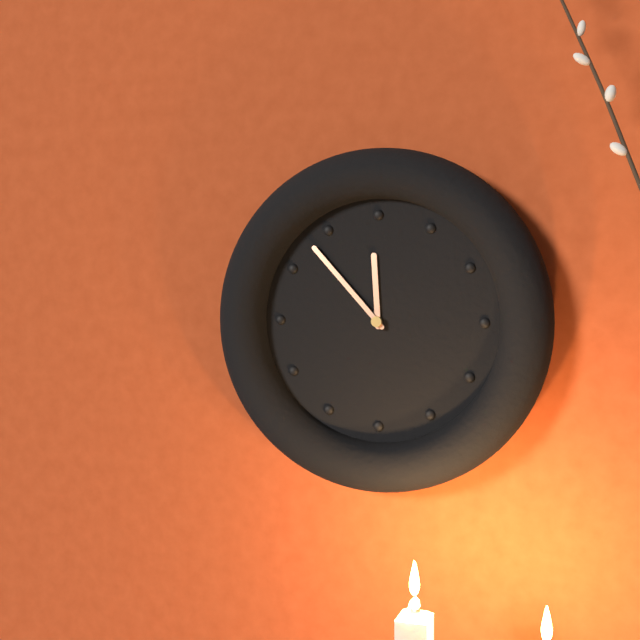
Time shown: **11:53**
